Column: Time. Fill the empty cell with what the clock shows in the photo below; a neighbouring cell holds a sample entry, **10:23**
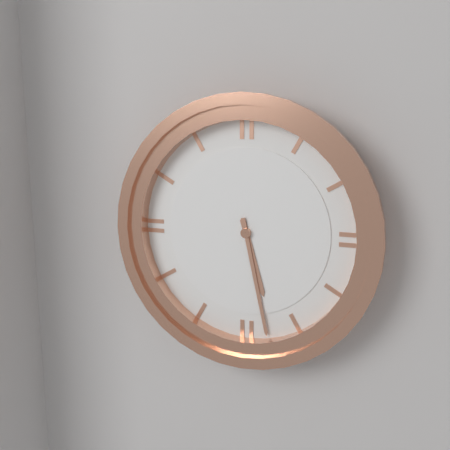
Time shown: **5:28**
